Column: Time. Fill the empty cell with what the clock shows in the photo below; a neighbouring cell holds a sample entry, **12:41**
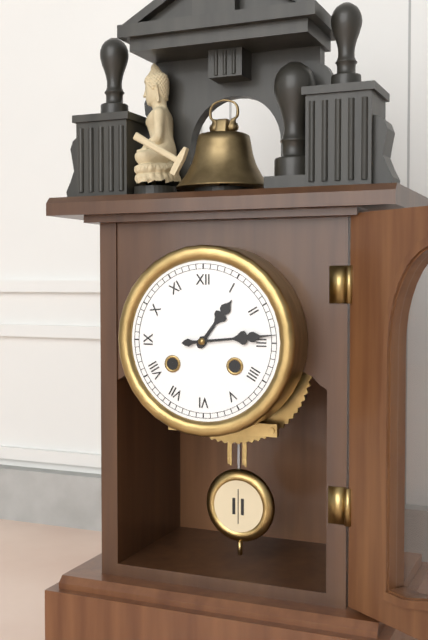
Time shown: **1:14**
